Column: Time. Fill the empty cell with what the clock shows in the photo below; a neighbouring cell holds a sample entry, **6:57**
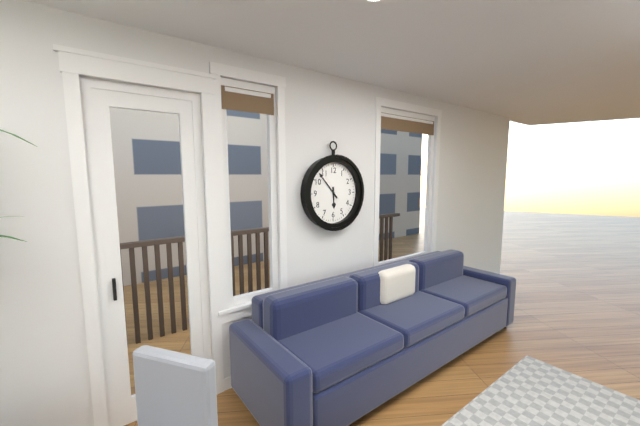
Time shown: **5:53**
